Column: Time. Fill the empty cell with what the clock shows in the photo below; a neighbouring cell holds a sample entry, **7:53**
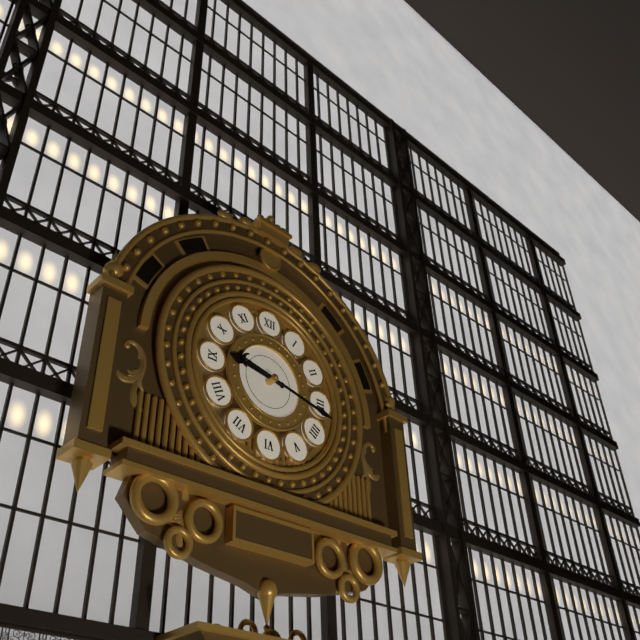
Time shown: **9:17**
